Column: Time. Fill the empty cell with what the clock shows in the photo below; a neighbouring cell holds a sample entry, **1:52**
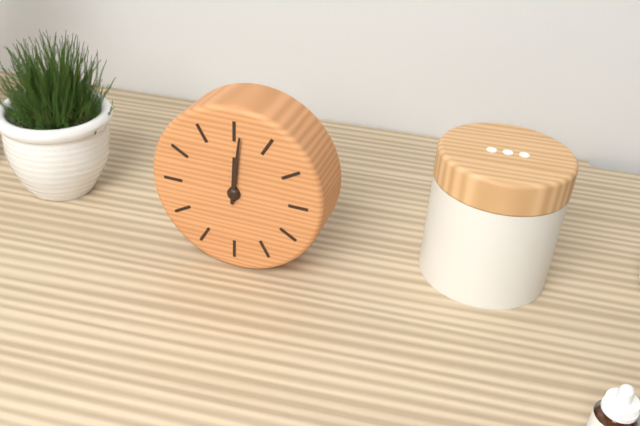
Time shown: **12:01**
